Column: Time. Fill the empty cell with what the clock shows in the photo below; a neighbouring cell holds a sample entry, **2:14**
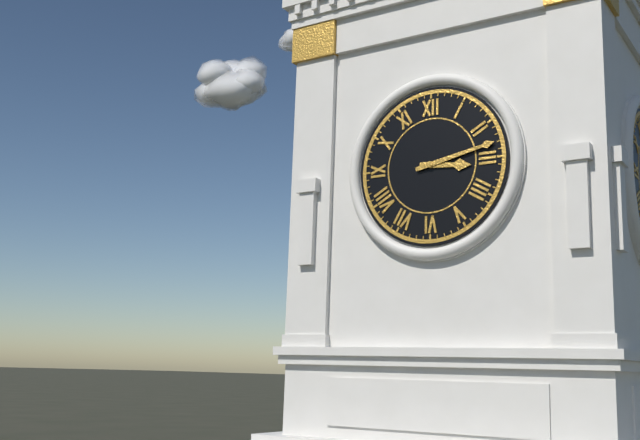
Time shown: **3:13**
